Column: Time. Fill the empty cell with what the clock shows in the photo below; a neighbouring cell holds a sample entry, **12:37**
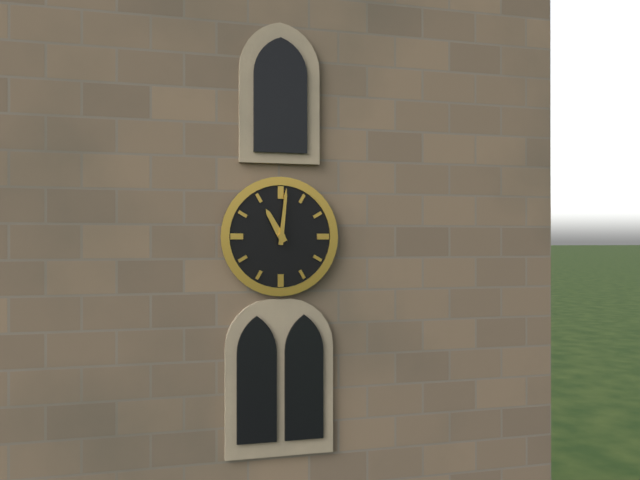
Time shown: **11:01**
